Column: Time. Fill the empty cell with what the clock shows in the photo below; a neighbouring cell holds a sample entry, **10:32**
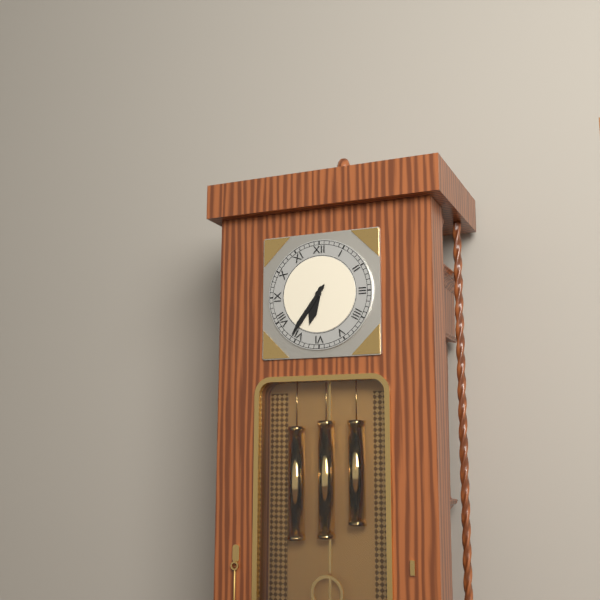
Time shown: **6:36**
